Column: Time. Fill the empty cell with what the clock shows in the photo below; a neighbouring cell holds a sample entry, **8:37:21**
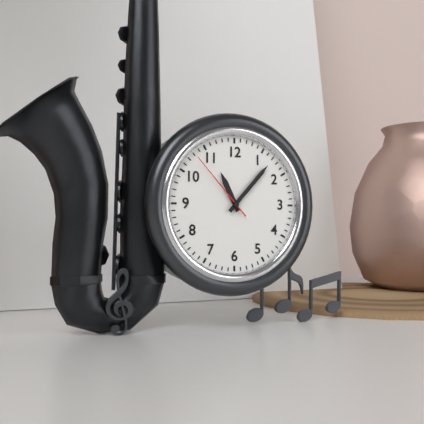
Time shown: **11:07:53**
